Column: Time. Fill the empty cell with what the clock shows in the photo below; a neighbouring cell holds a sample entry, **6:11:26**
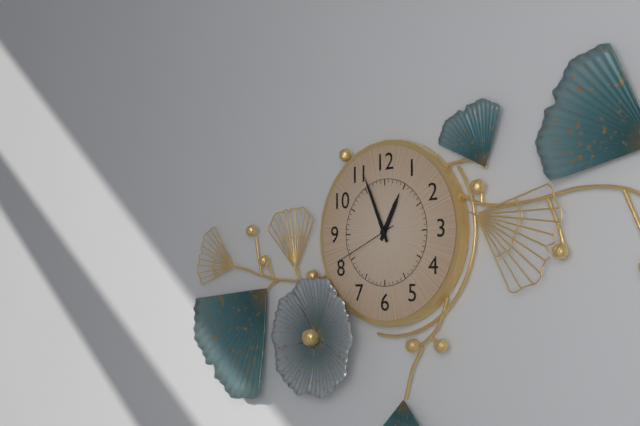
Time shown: **12:56:41**
